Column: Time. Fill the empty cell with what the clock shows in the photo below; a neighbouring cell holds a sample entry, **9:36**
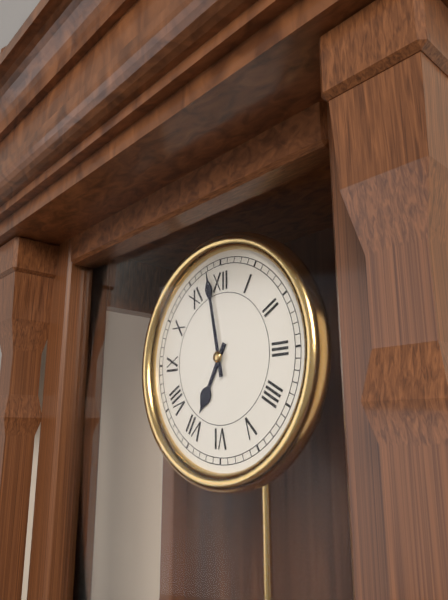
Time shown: **6:58**
